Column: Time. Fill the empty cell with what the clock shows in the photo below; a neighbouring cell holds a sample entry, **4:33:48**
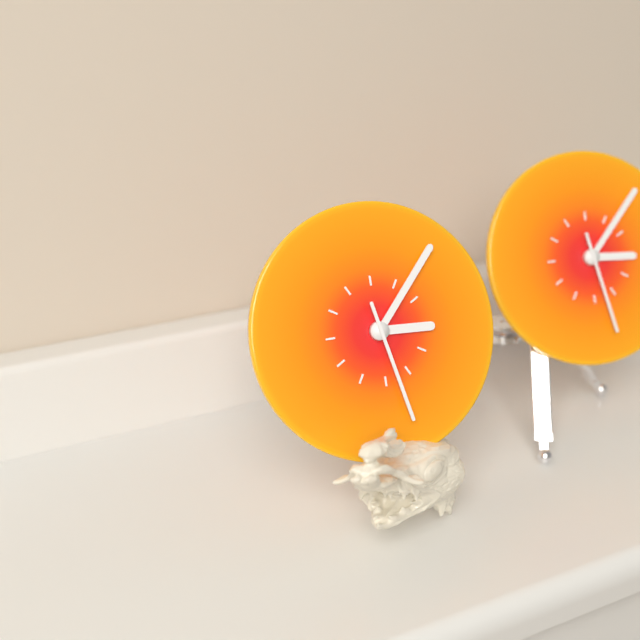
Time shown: **3:07:28**
